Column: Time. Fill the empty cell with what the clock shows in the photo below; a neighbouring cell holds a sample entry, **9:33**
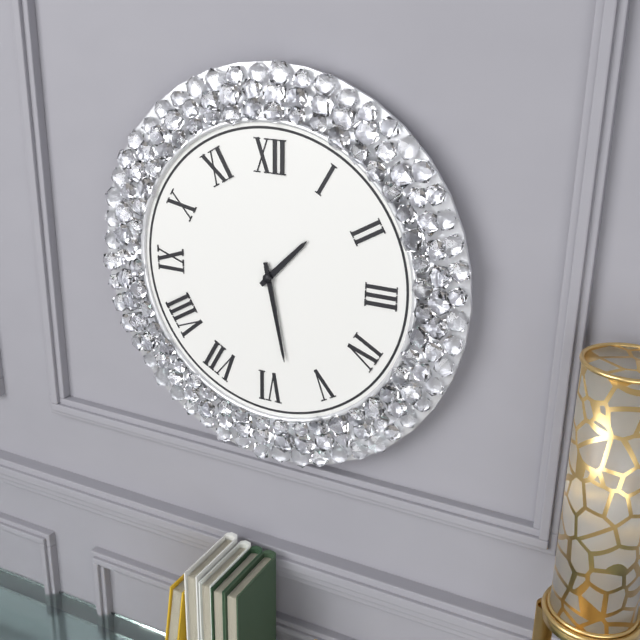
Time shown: **1:28**
